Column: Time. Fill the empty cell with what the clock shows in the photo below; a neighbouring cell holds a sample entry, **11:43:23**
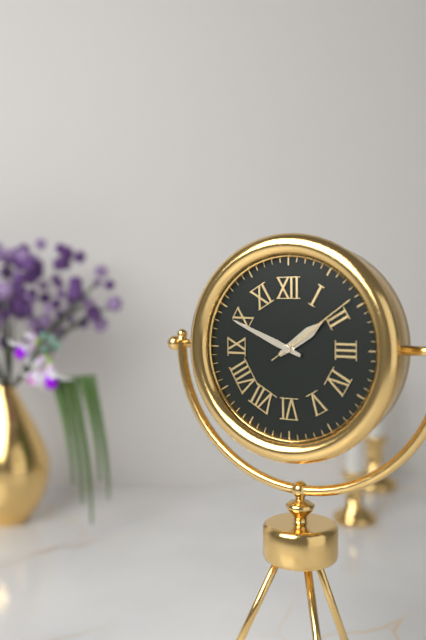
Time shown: **1:49:09**
